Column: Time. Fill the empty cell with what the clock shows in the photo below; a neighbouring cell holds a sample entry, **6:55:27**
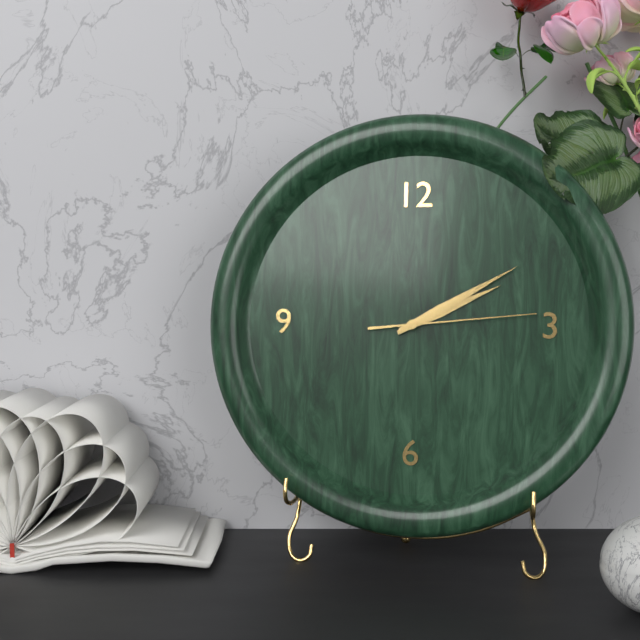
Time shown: **2:10:14**
